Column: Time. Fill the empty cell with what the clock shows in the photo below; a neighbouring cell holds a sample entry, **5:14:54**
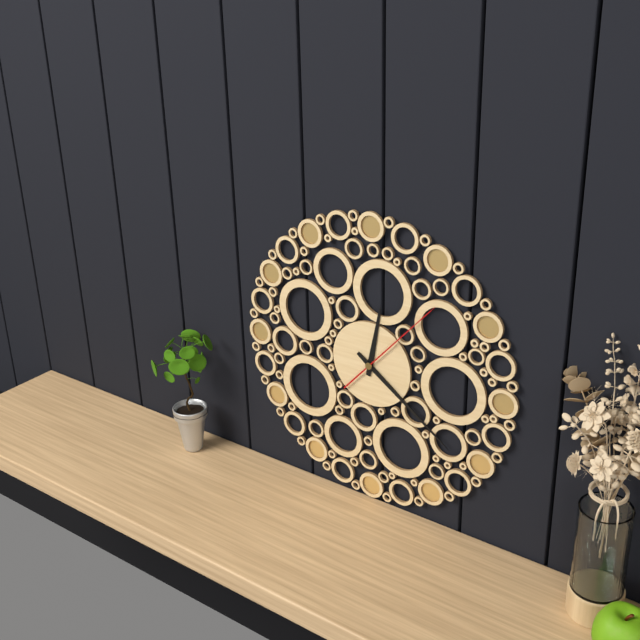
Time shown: **12:21:07**
